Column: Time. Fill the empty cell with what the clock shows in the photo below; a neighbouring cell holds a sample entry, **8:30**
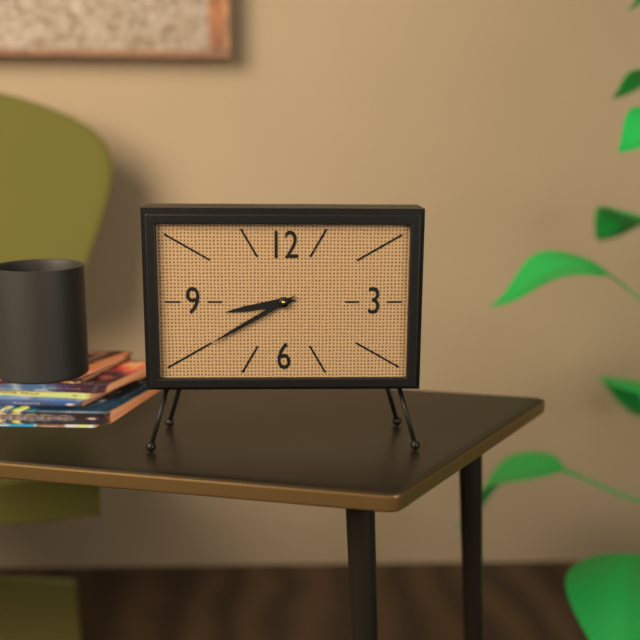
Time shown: **8:40**
